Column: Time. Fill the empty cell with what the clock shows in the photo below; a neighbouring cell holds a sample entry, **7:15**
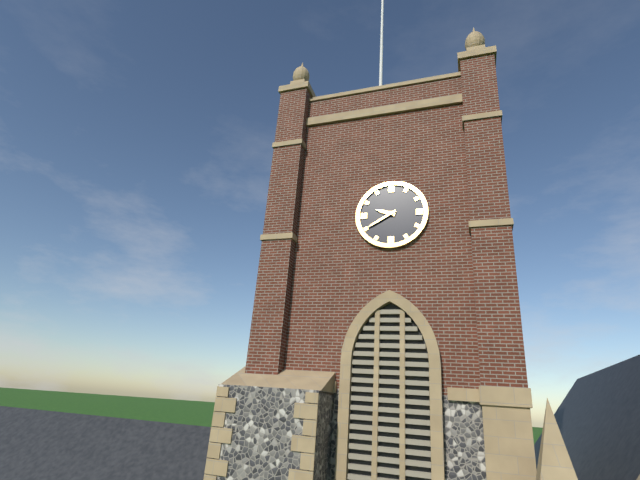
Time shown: **9:40**
